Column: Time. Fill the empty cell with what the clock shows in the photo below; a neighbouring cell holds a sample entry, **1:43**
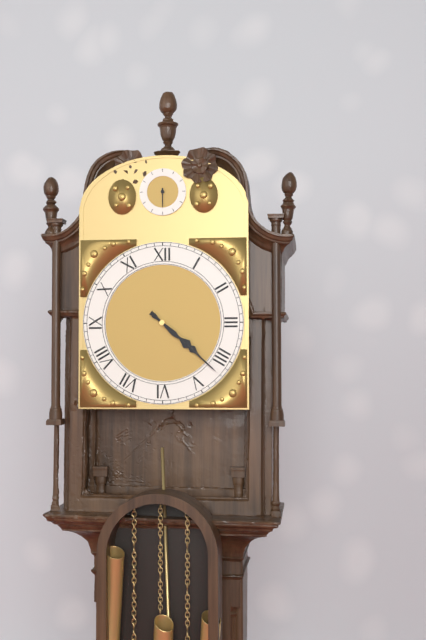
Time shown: **4:22**
